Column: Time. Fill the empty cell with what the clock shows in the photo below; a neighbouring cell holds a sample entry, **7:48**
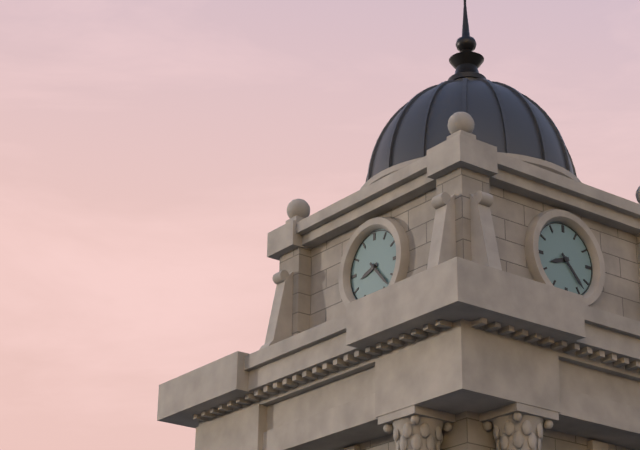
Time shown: **8:23**
